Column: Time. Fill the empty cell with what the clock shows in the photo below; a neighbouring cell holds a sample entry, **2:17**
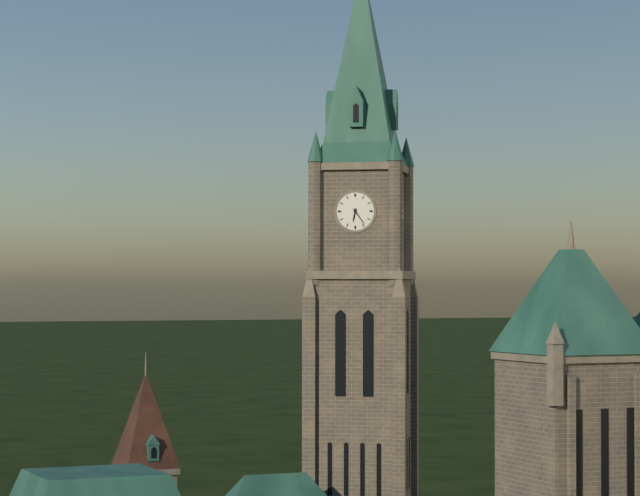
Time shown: **6:24**
